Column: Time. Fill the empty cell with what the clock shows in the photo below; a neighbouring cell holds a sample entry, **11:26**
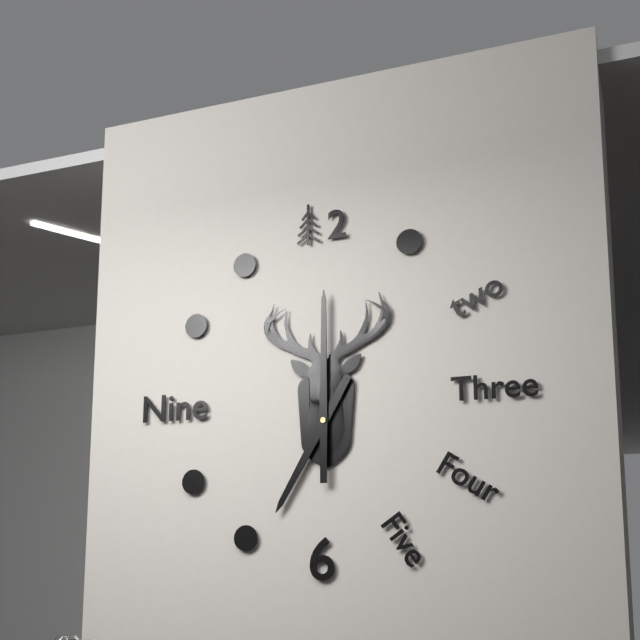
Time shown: **7:00**
